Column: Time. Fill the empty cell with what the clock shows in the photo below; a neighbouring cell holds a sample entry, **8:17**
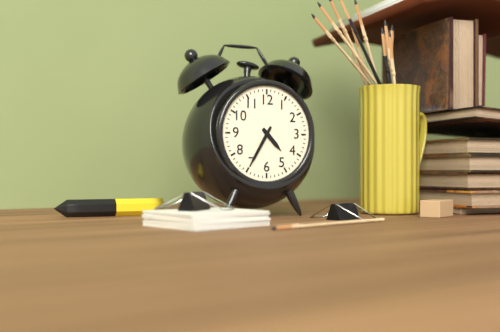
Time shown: **4:35**
